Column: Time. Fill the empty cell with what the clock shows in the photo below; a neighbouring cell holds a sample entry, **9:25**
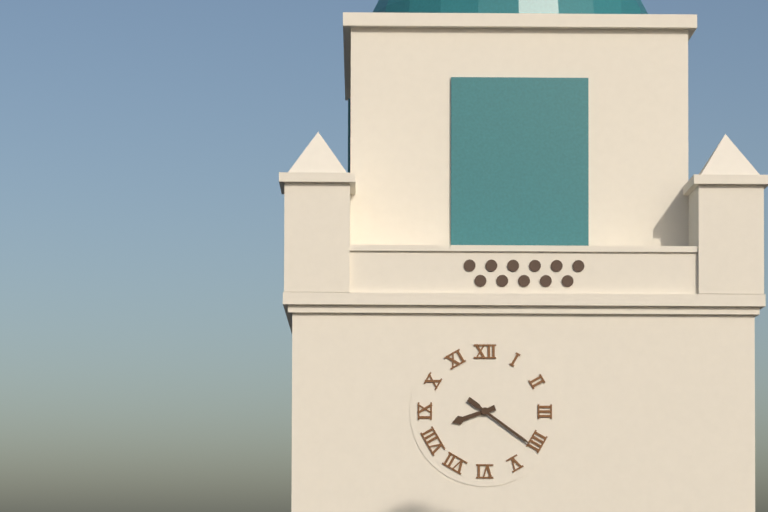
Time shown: **8:21**
